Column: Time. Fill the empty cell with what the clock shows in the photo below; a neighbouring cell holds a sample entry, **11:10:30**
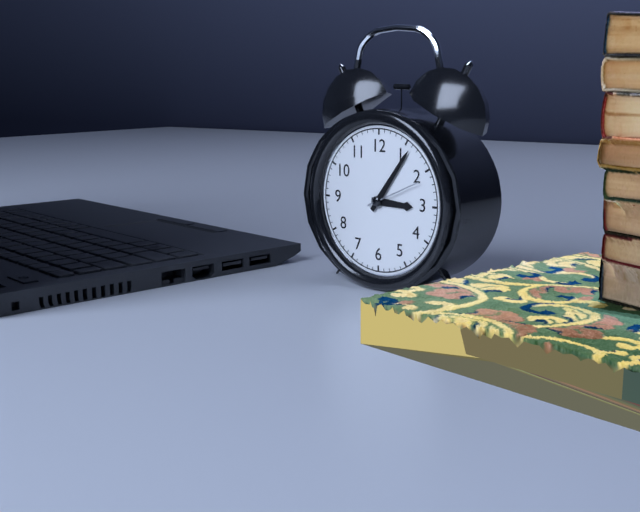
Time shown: **3:06:11**
